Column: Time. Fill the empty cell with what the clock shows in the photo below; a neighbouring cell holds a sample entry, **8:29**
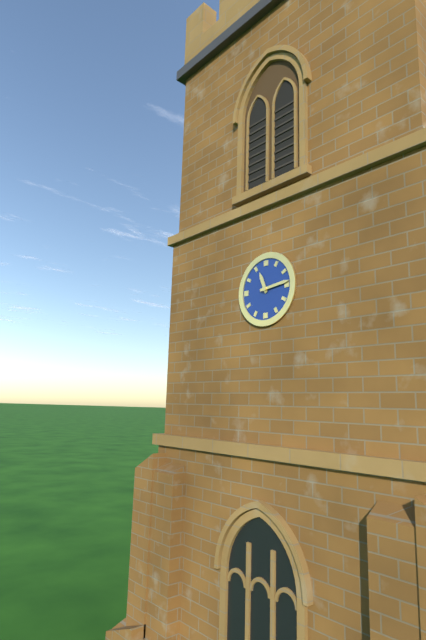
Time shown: **11:14**
